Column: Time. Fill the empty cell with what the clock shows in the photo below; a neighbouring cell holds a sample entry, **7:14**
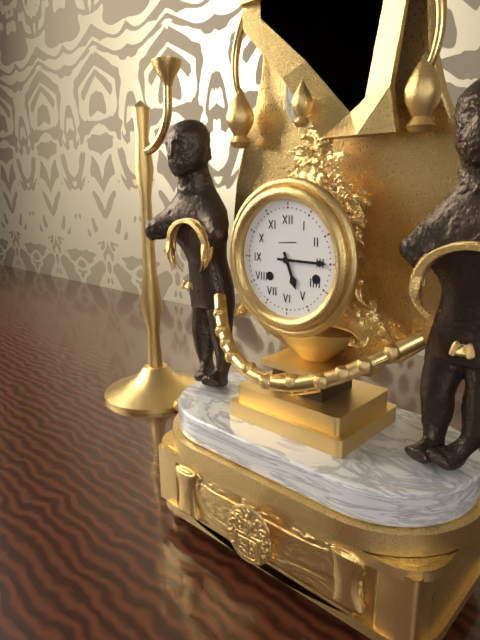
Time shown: **5:15**
